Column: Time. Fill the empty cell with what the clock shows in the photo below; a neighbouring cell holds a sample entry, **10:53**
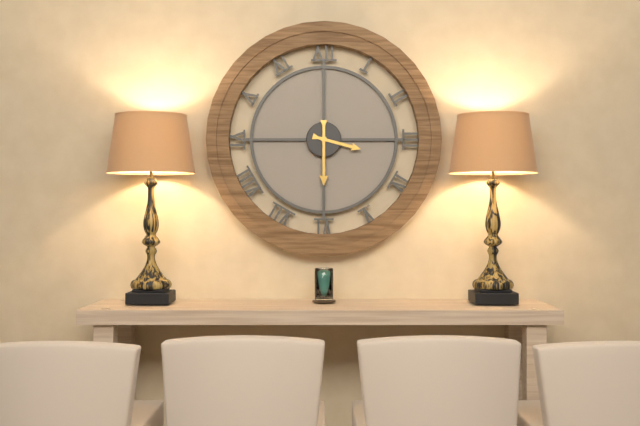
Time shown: **3:30**
